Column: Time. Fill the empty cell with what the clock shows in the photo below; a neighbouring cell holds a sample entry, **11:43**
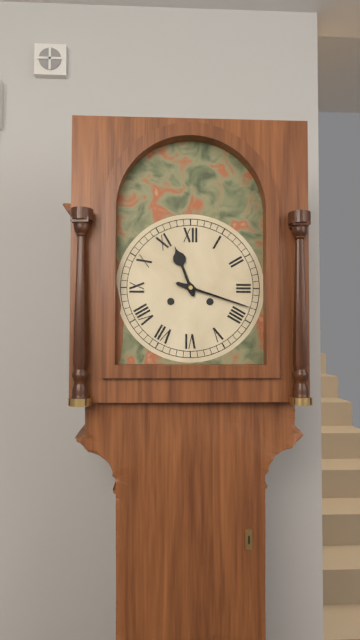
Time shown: **11:18**
